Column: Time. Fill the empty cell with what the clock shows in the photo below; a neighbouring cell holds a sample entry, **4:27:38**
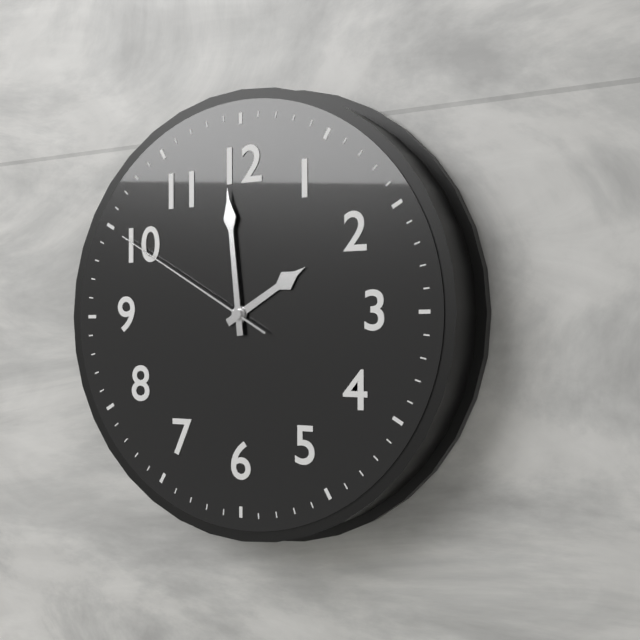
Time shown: **1:59:50**
